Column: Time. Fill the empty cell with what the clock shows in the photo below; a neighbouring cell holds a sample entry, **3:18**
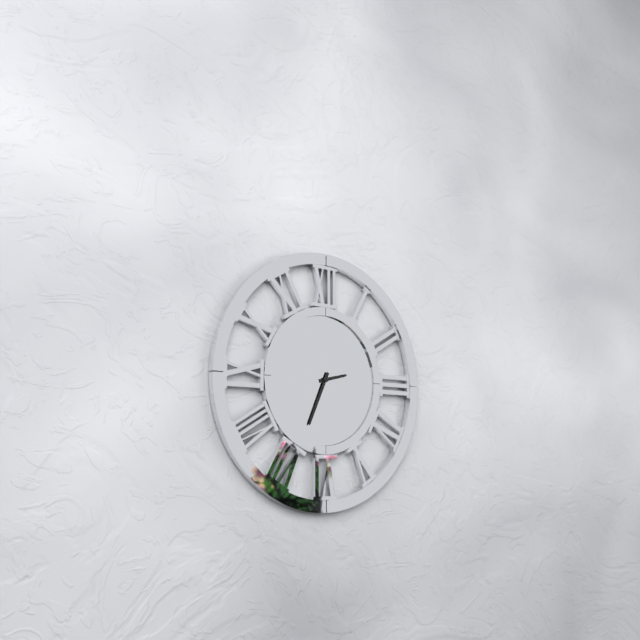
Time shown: **2:34**
